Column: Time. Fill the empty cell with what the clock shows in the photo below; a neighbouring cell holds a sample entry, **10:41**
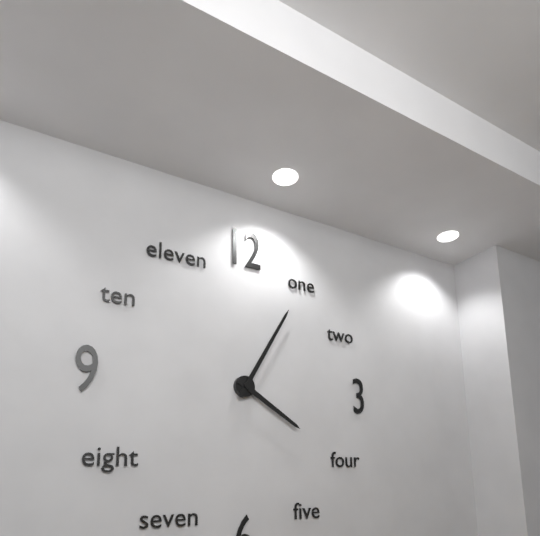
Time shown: **4:05**
